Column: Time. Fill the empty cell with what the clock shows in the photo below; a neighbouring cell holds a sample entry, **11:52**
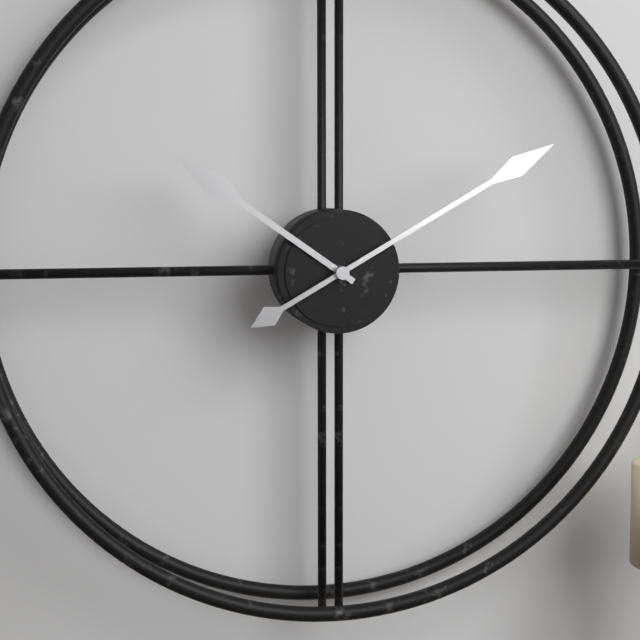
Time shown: **10:10**
